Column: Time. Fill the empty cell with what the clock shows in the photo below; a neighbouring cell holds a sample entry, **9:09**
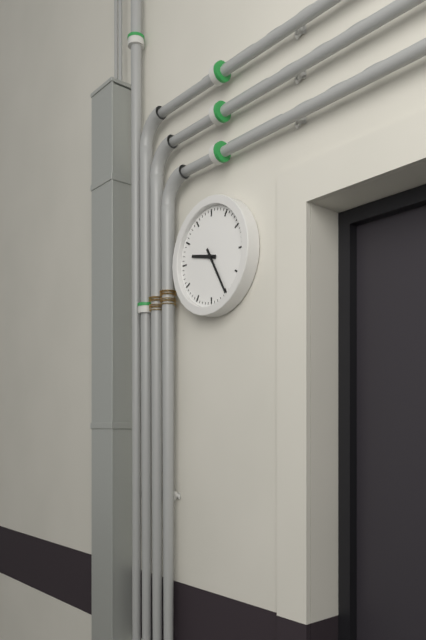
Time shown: **9:25**
